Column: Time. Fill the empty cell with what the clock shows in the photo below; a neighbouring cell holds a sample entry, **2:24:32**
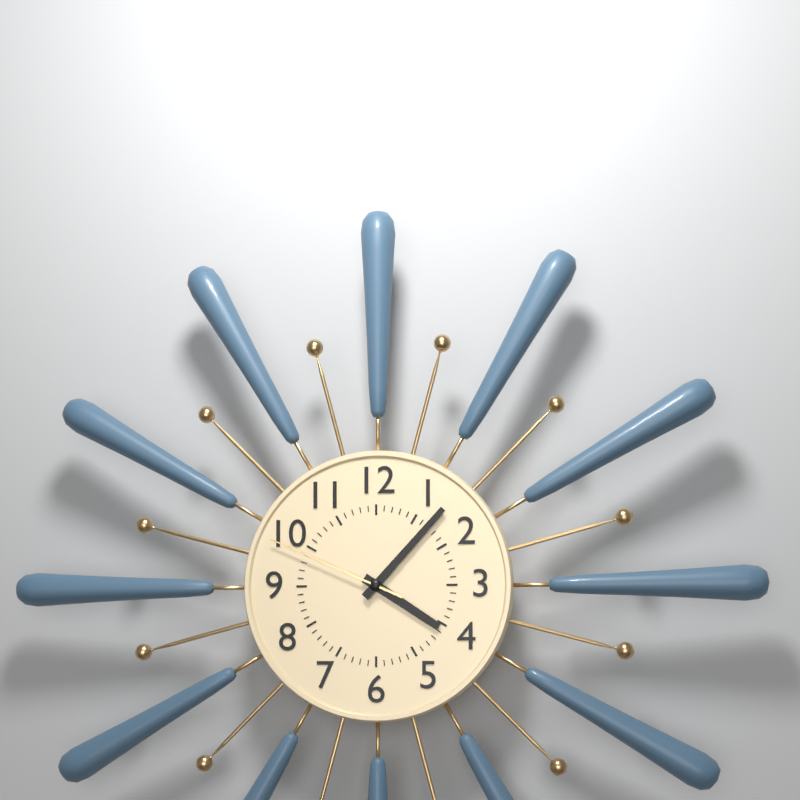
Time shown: **4:07:49**
